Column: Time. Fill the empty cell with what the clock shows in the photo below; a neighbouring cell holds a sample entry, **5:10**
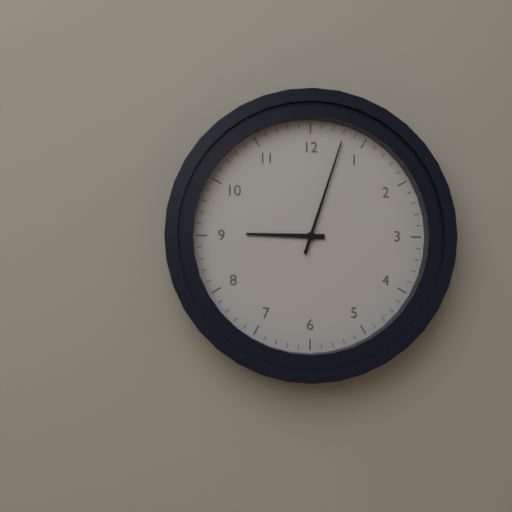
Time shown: **9:03**
